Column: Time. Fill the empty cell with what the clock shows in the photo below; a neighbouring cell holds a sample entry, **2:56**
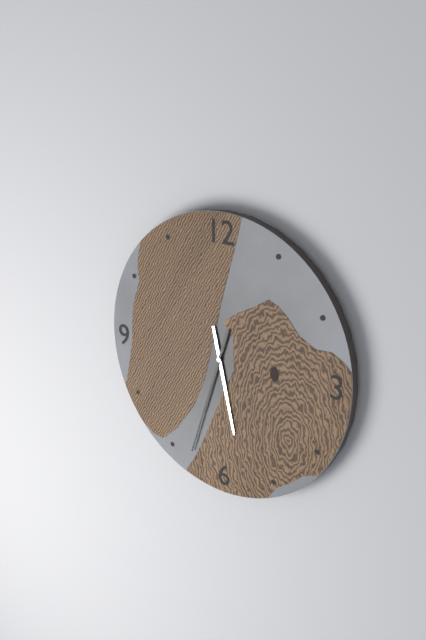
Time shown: **5:33**
